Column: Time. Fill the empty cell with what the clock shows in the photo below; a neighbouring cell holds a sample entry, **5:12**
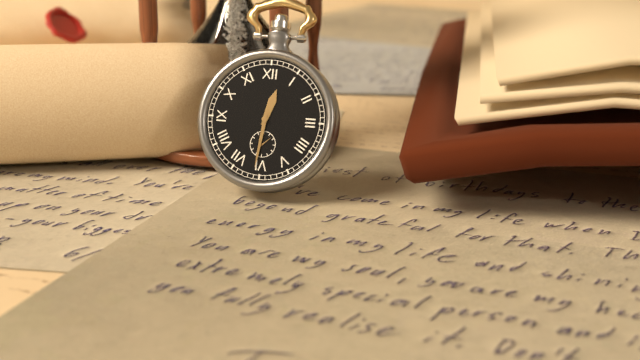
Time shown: **12:31**
